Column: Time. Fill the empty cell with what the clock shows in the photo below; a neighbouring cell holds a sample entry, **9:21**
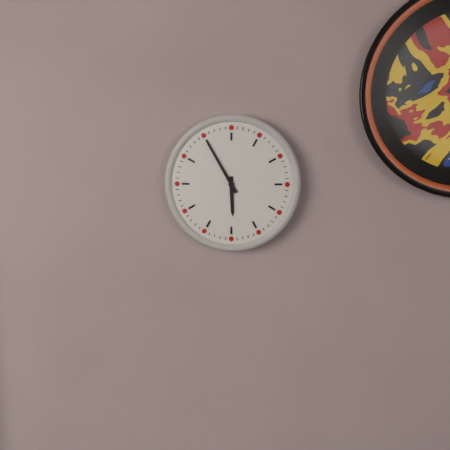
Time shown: **5:55**
